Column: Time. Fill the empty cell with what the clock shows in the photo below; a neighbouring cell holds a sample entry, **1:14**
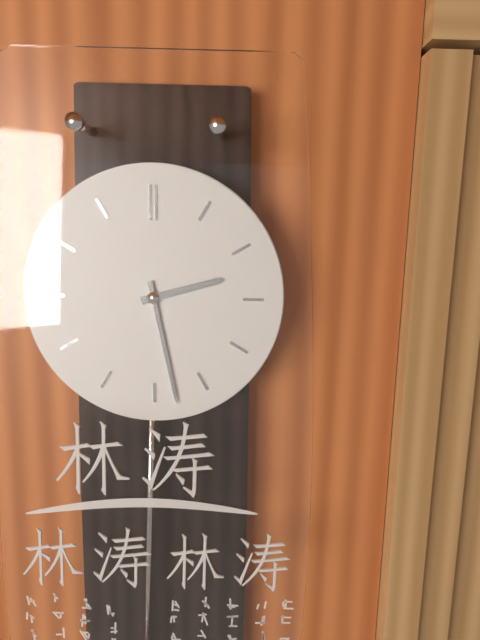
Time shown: **2:28**
